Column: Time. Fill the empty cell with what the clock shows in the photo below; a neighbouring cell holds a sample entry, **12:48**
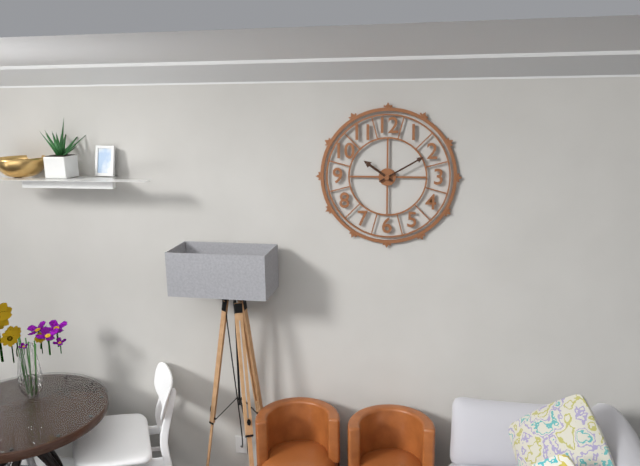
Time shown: **10:10**
